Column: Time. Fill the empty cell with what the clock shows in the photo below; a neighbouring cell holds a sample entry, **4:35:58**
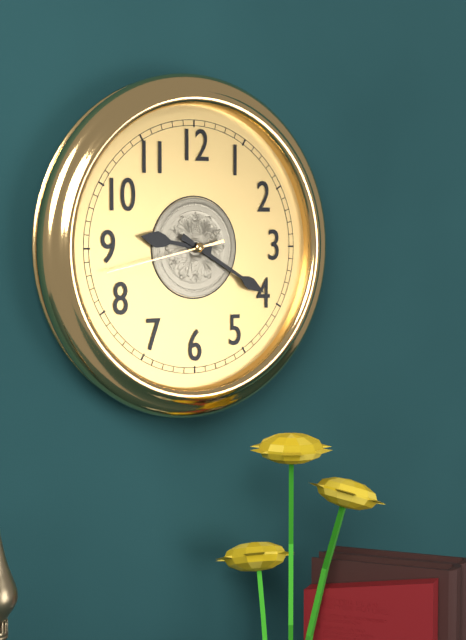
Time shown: **9:20:43**
